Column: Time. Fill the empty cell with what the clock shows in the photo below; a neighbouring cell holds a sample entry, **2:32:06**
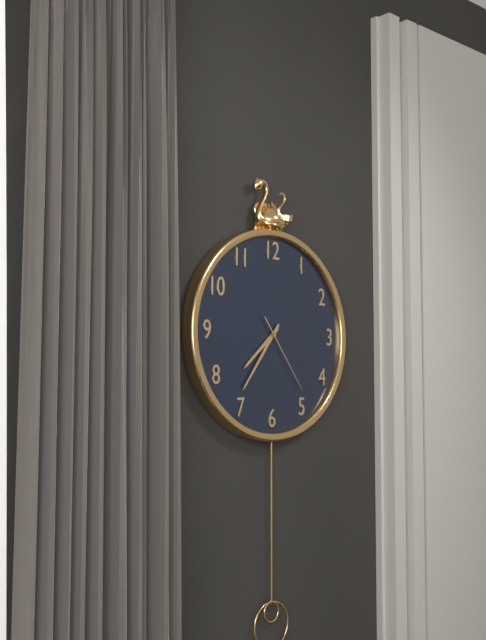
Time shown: **7:36:24**
